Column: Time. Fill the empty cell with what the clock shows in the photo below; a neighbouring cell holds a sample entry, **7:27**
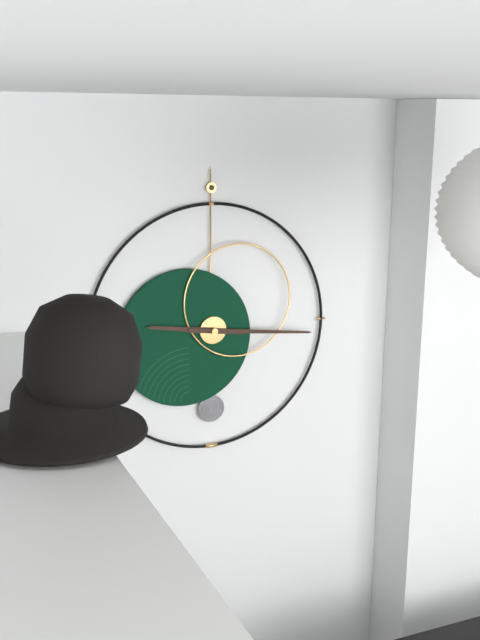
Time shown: **9:16**
